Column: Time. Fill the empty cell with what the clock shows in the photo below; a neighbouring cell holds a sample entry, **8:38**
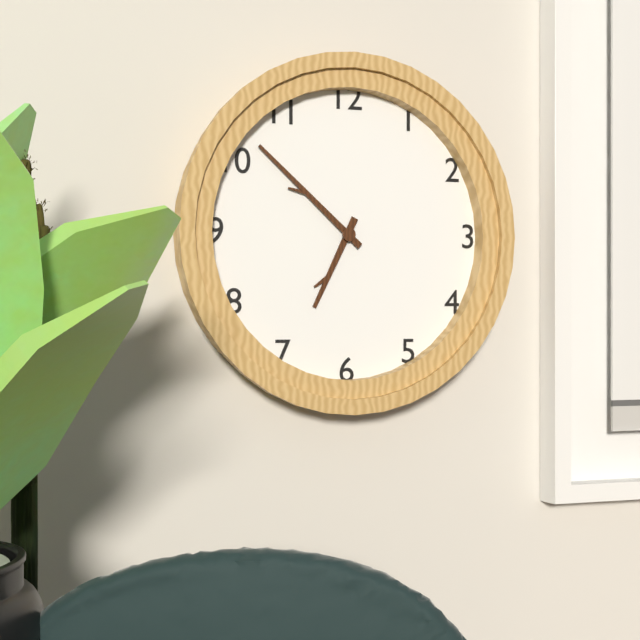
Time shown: **6:52**
